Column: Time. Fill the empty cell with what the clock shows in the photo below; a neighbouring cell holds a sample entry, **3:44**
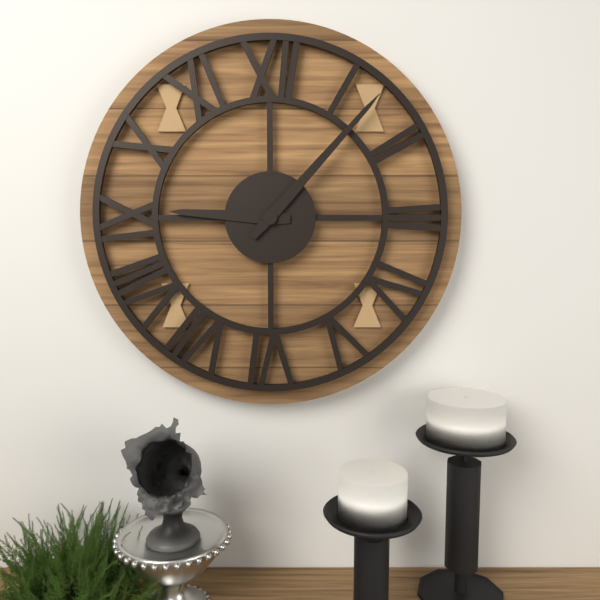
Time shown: **9:07**
